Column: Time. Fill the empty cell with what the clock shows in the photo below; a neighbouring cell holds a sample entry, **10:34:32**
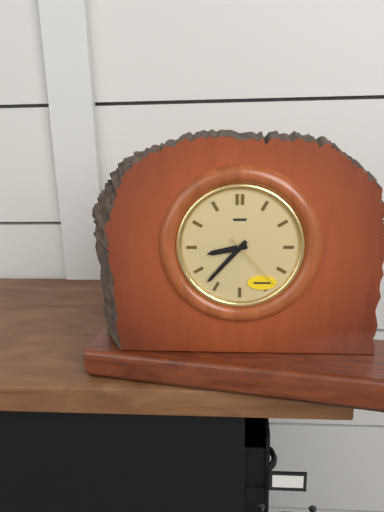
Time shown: **8:37:23**
